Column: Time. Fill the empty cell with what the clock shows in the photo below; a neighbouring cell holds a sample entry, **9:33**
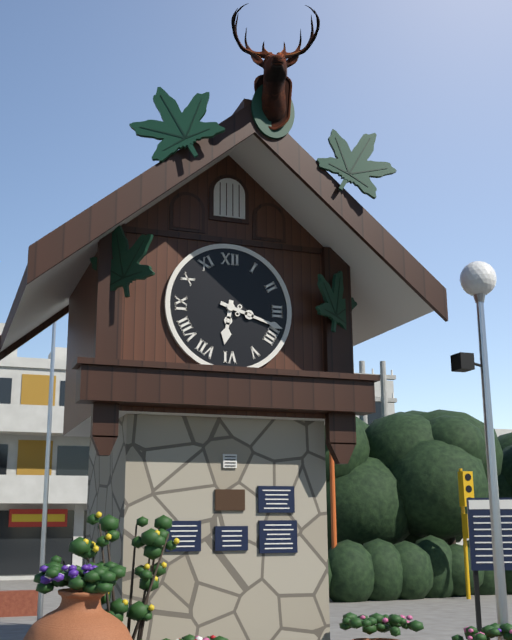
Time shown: **6:18**
